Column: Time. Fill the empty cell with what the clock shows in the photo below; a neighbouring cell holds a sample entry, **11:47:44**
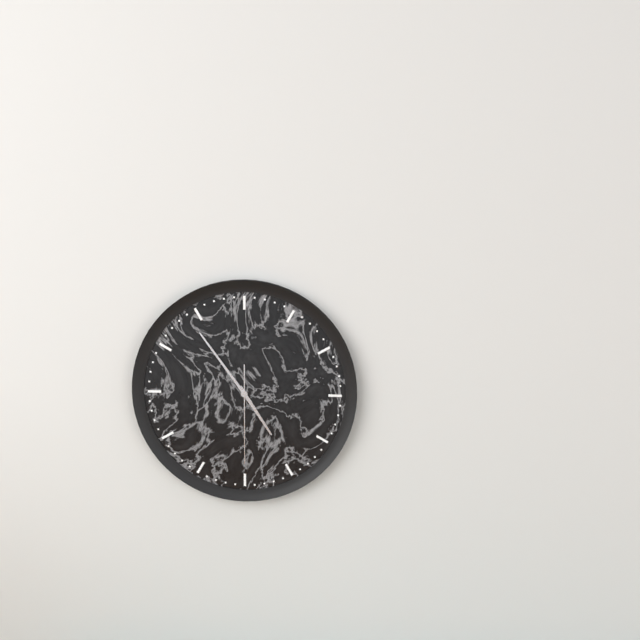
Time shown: **4:54:30**
